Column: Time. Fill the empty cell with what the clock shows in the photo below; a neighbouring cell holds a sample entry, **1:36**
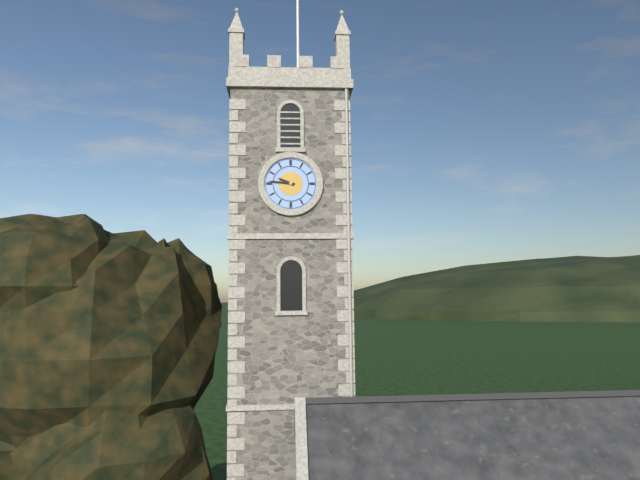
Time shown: **9:46**
